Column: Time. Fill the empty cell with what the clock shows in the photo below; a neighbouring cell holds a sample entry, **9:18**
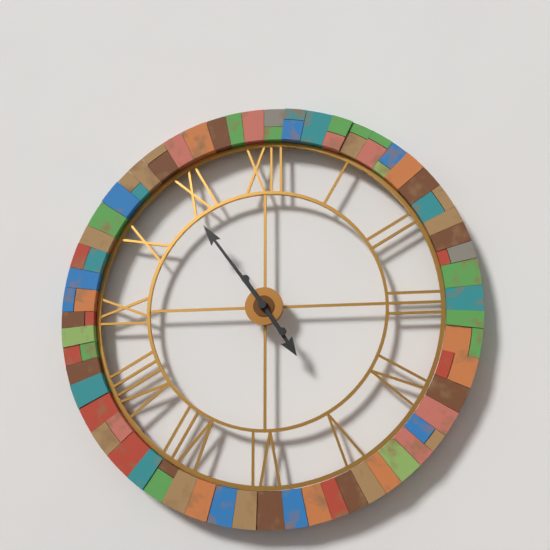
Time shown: **4:54**
